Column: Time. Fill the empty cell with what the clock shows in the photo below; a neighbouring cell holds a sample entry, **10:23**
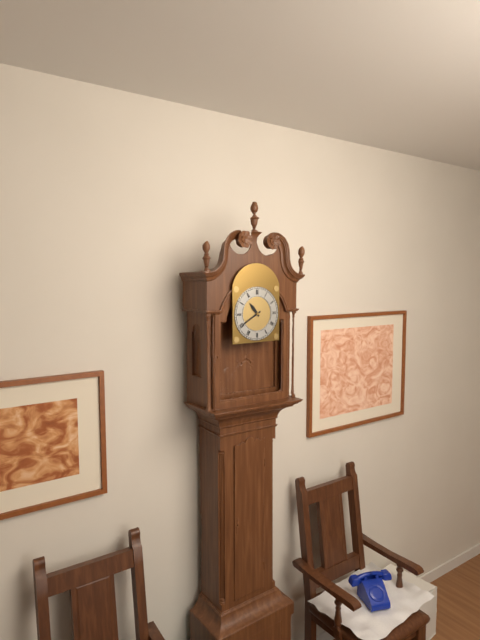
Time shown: **10:40**
